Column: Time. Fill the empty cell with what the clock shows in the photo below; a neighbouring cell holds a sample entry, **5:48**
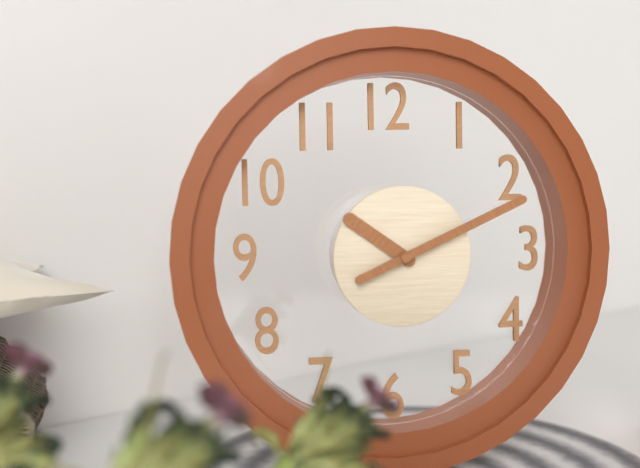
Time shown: **10:11**
